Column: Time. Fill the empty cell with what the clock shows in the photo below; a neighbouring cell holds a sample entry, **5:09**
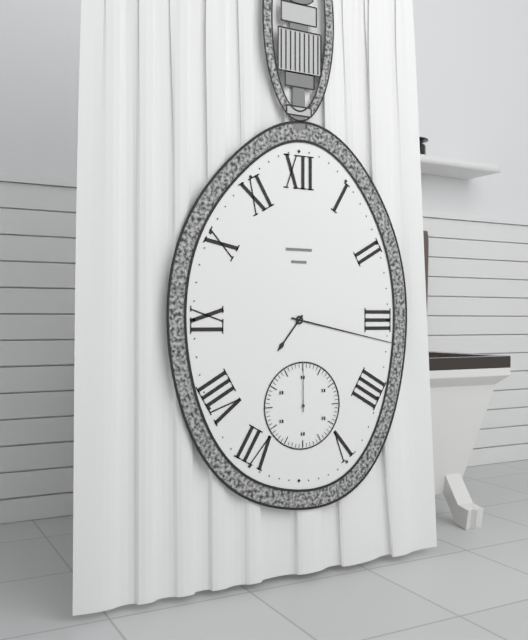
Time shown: **7:17**
